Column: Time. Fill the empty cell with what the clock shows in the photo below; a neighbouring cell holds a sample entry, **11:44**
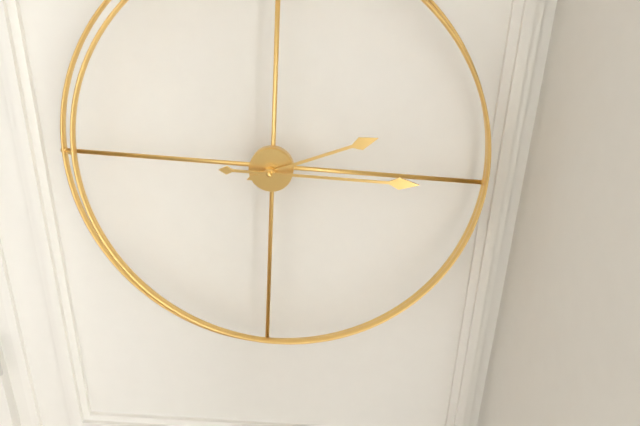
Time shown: **2:15**
